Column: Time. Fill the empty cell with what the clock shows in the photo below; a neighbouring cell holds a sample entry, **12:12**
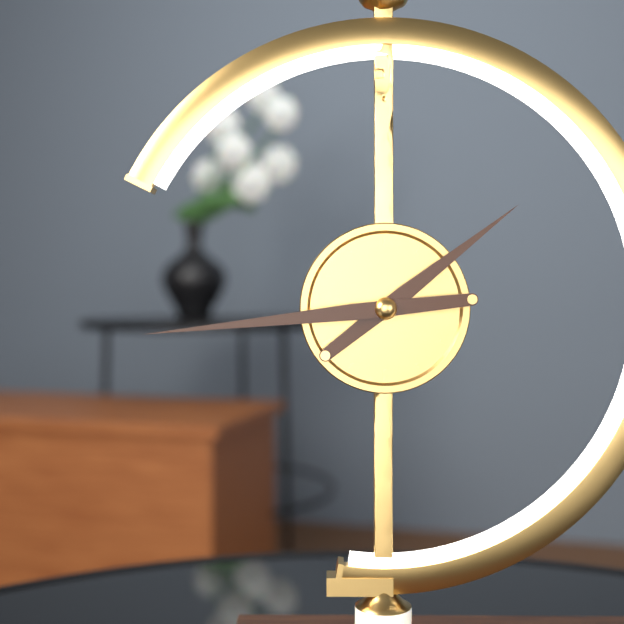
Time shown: **1:44**
